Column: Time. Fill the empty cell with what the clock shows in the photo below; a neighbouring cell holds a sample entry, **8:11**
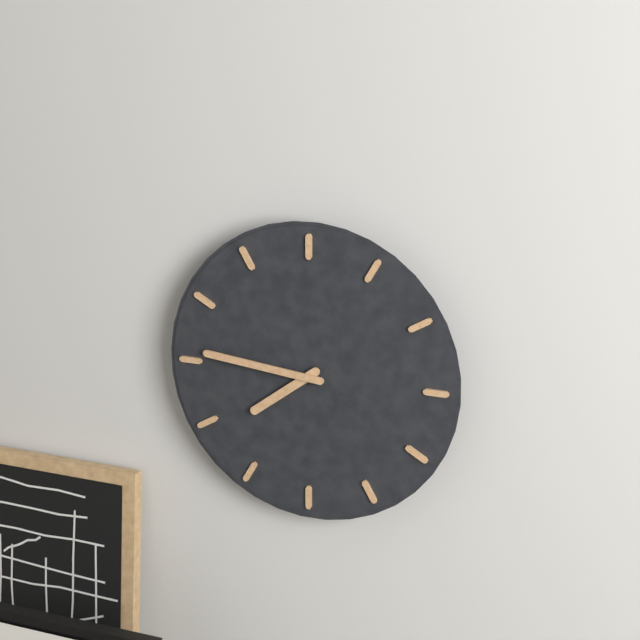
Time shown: **7:46**
